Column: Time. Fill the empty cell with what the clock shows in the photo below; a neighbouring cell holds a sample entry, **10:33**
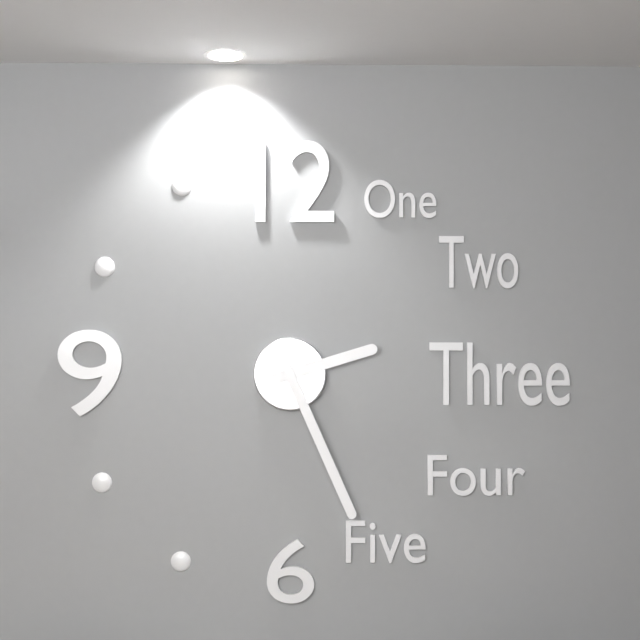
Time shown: **2:26**
